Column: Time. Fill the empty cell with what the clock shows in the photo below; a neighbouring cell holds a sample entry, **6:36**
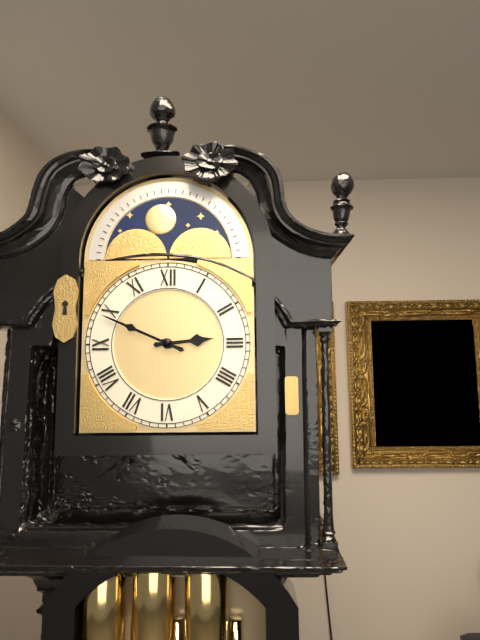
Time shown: **2:49**
